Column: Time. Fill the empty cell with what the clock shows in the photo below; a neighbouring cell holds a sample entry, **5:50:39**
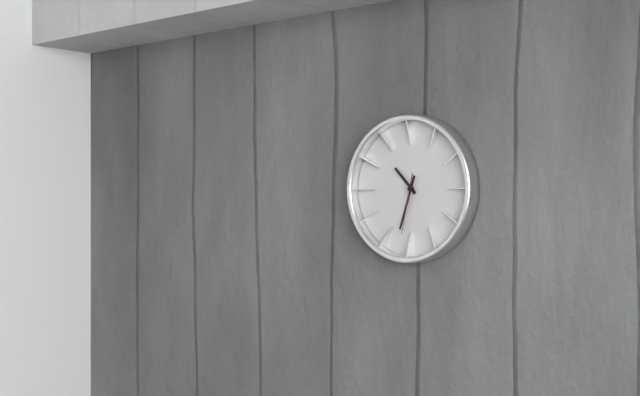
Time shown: **10:33:32**
